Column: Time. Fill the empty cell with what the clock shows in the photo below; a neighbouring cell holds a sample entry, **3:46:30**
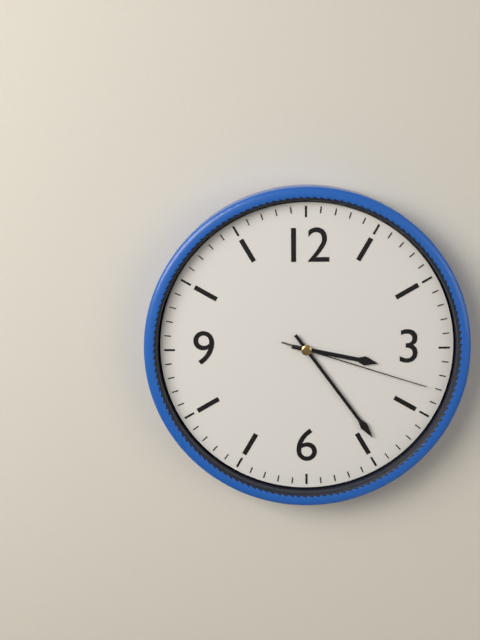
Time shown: **3:24:18**
